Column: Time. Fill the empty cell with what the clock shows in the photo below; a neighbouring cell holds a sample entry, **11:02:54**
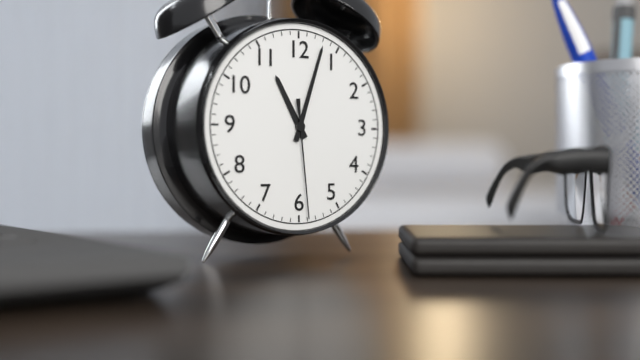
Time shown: **11:03:29**
